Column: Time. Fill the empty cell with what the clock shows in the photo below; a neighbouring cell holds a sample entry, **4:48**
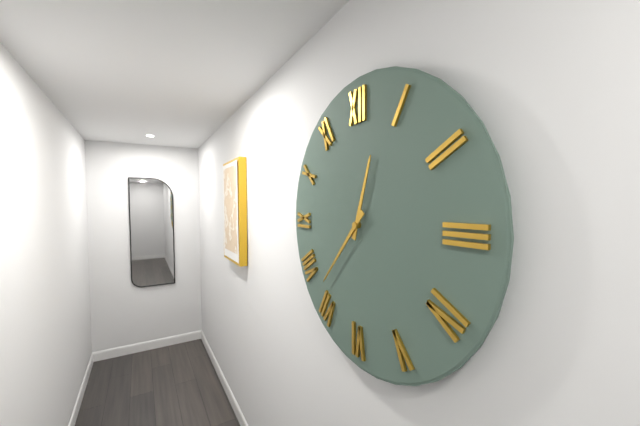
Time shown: **12:37**
